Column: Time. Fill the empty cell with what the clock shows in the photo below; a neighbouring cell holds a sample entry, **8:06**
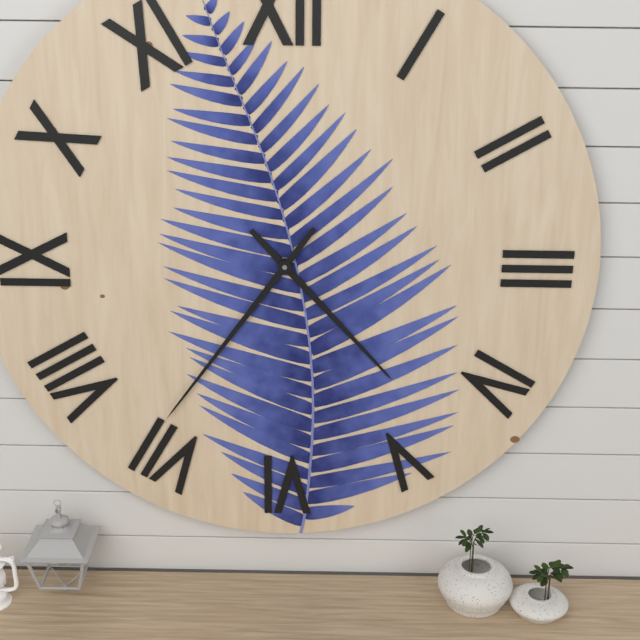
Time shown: **4:36**
